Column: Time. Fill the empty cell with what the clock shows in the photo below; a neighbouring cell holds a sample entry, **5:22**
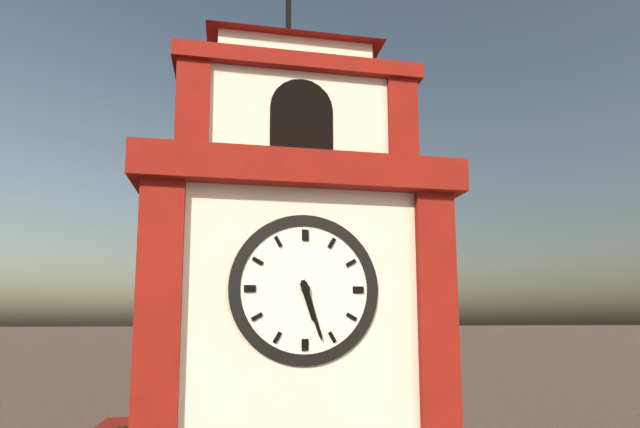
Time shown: **5:27**
